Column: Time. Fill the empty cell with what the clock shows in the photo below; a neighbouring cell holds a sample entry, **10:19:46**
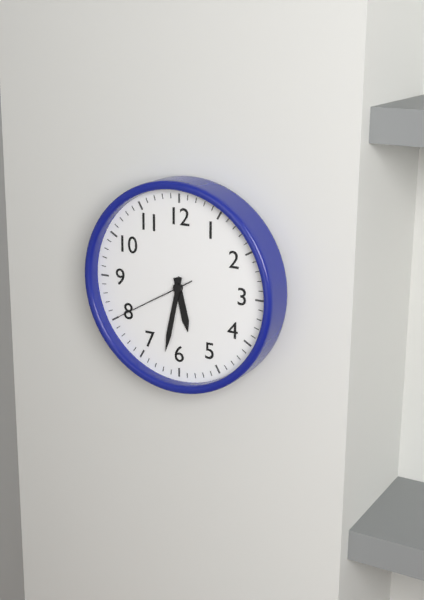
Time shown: **5:32:40**
